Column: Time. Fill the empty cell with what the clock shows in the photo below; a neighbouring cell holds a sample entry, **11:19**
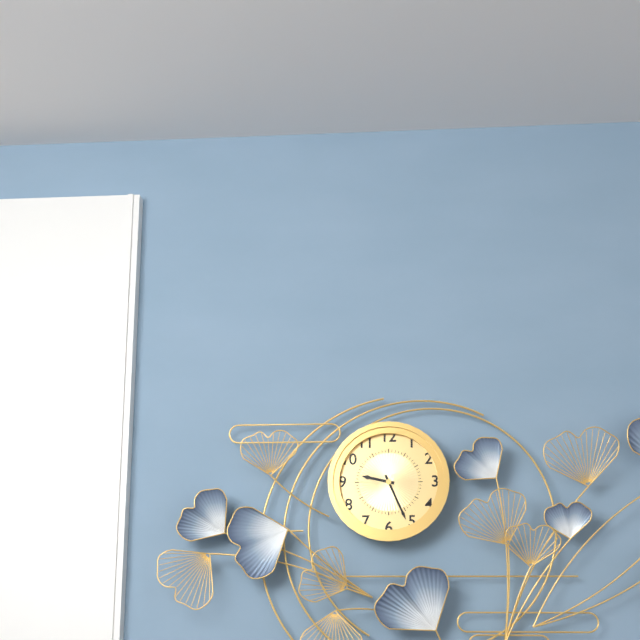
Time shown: **9:26**
